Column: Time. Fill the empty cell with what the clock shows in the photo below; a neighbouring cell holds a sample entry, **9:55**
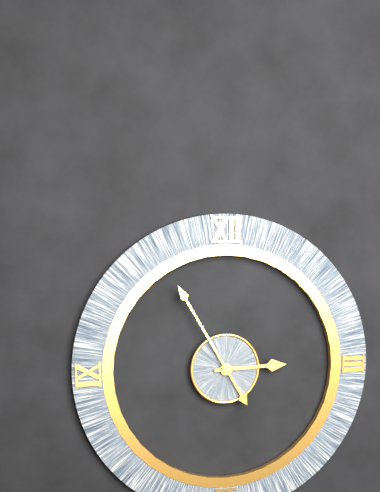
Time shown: **2:55**
